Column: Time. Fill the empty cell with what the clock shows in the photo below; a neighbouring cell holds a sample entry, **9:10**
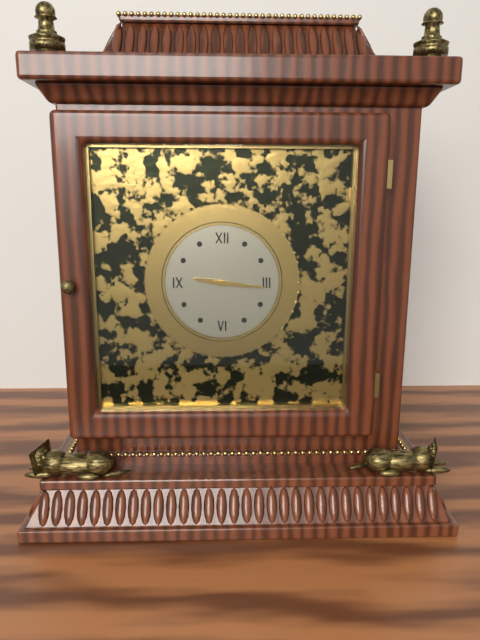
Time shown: **9:16**
